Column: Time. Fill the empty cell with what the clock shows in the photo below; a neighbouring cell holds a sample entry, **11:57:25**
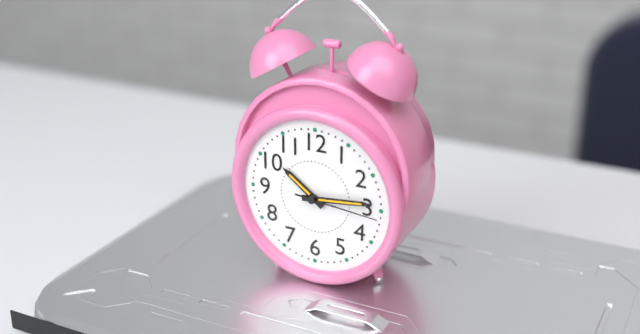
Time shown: **10:14:16**
